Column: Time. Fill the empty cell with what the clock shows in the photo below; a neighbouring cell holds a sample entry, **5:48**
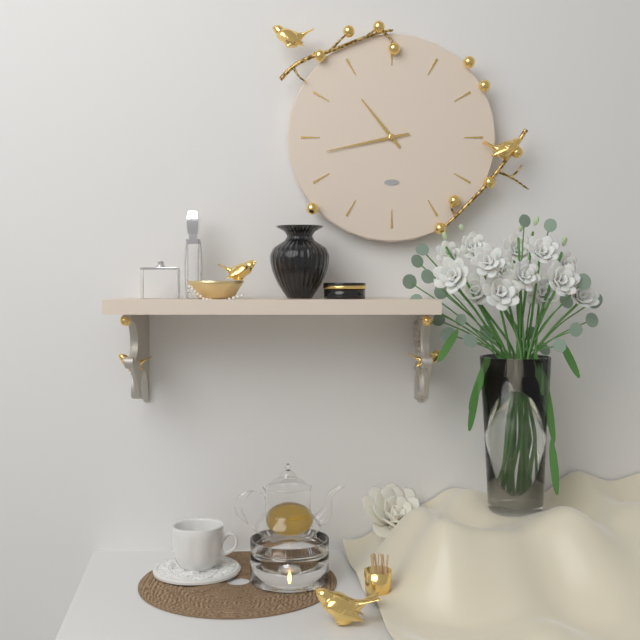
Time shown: **10:43**
